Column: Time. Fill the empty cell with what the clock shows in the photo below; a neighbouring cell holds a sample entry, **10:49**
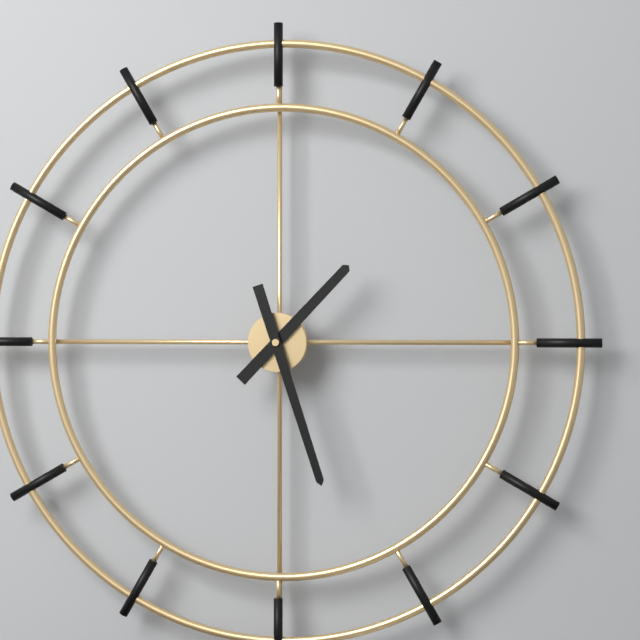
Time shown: **1:27**
